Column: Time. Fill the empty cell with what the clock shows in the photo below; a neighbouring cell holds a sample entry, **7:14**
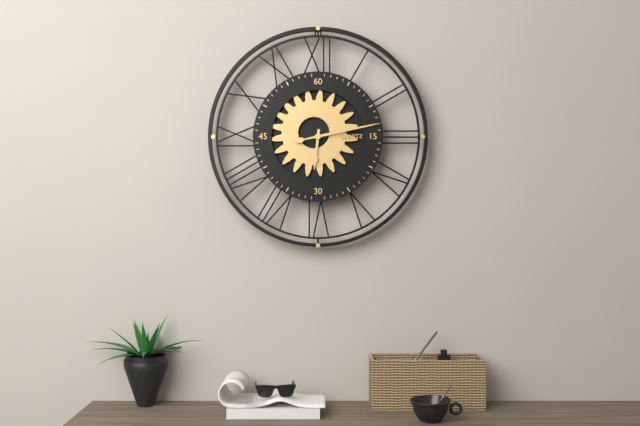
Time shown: **6:13**
